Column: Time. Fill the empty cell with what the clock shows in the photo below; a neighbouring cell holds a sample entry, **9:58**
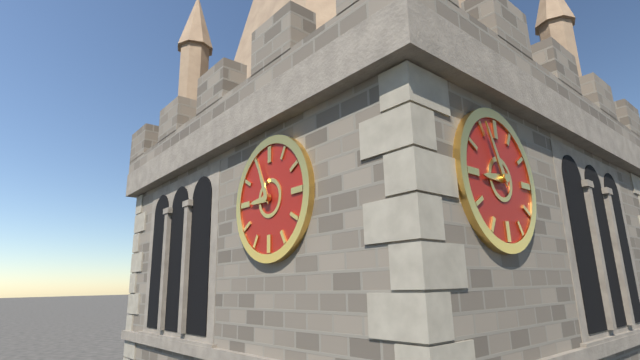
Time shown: **8:56**
